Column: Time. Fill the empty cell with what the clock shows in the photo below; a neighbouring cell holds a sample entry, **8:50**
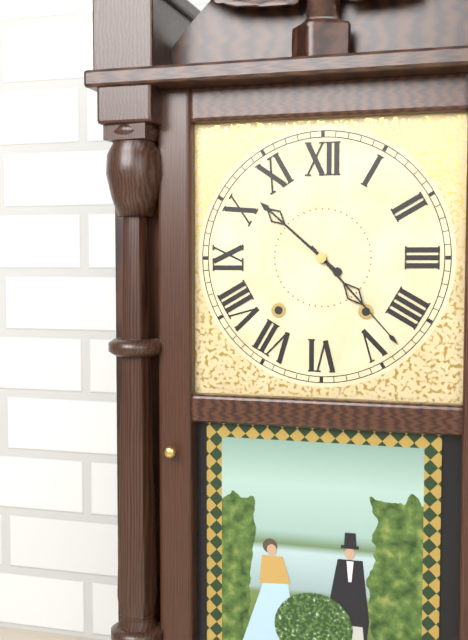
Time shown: **10:23**
